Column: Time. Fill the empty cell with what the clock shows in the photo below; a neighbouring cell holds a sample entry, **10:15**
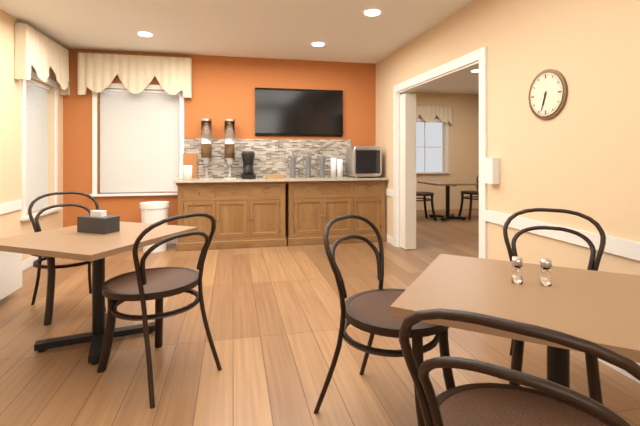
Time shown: **6:33**
